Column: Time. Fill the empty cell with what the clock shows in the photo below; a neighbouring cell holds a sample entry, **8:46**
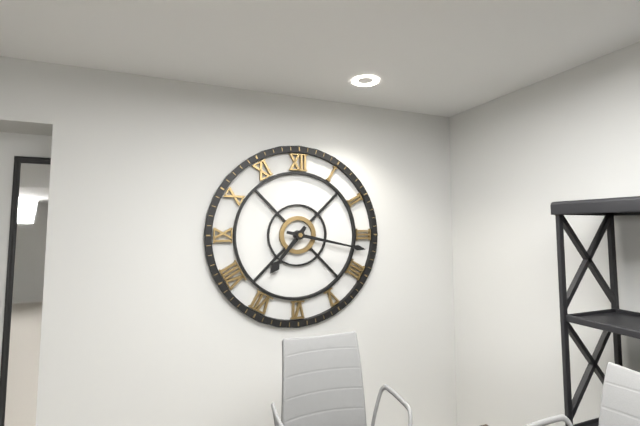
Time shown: **7:17**
